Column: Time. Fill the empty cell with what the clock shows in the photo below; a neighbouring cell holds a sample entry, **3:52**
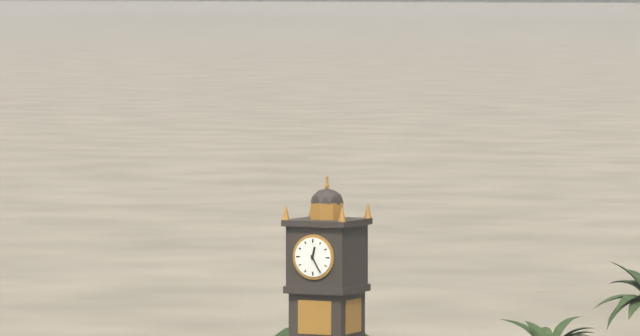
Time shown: **12:25**
